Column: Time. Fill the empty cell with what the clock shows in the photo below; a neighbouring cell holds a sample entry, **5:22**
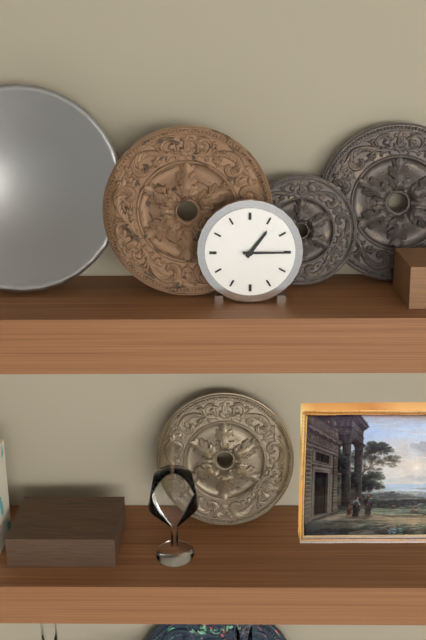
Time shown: **1:15**
